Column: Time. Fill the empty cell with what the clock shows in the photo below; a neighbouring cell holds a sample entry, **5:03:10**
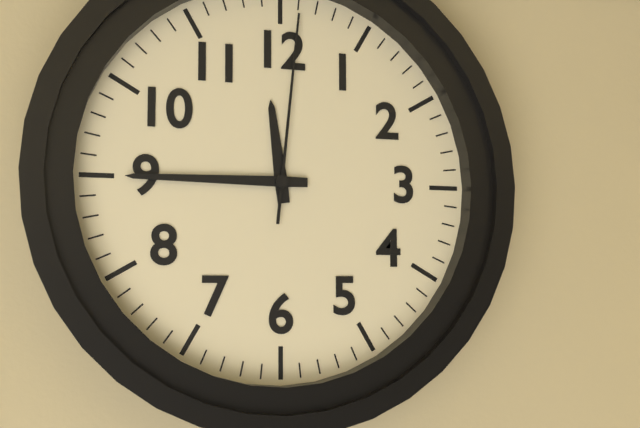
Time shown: **11:45:01**
